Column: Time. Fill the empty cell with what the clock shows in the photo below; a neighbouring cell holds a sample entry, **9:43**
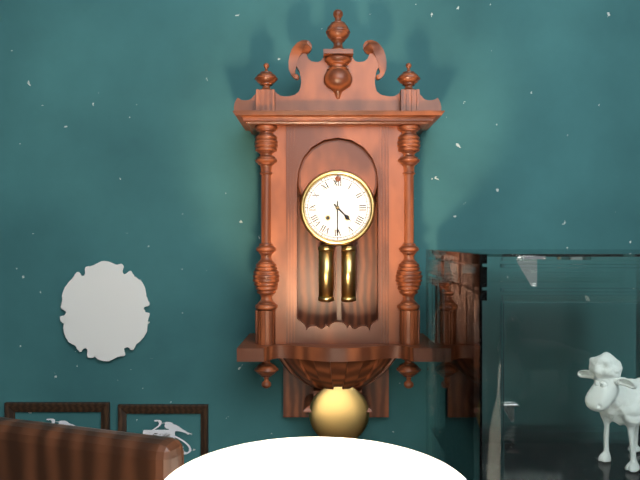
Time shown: **4:30**
